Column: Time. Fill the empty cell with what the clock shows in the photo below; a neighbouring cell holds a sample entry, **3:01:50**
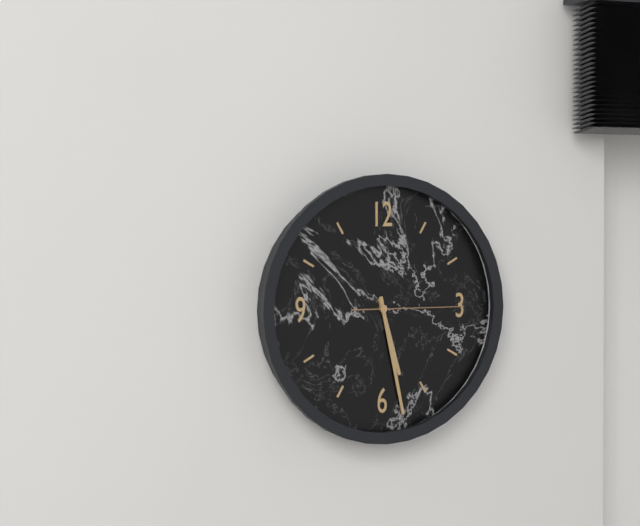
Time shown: **5:28:15**
